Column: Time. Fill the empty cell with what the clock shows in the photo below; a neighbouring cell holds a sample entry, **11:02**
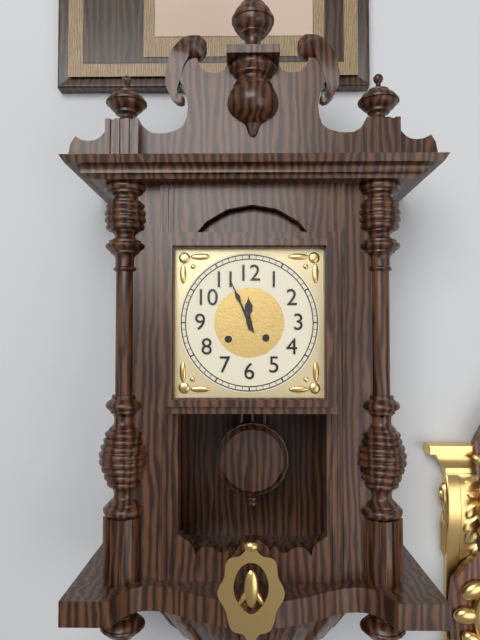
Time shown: **11:56**
